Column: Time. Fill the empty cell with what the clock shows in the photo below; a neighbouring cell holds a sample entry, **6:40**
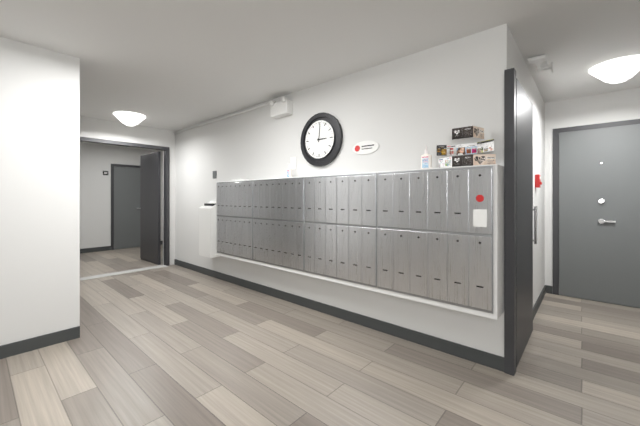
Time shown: **3:01**
